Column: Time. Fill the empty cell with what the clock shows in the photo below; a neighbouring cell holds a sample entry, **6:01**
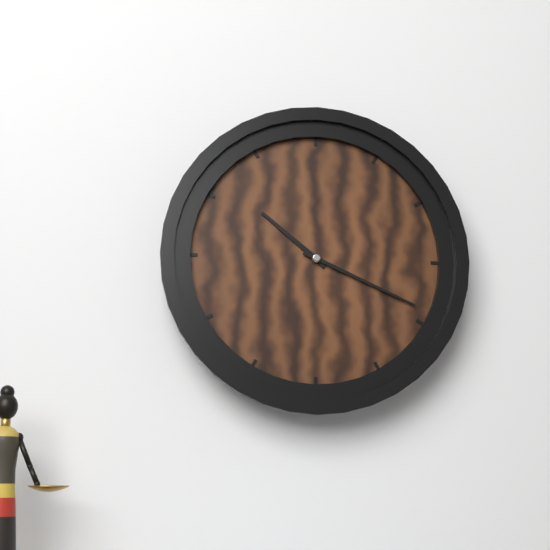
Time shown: **10:19**
